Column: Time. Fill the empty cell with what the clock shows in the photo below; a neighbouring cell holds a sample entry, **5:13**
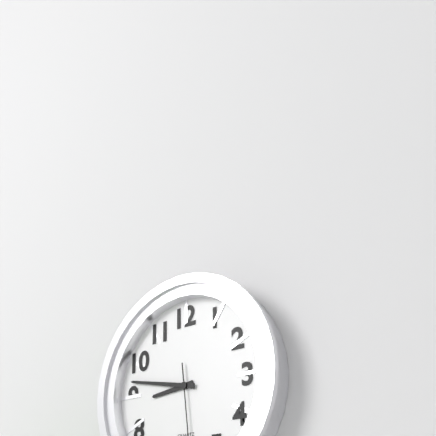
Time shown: **8:47**
